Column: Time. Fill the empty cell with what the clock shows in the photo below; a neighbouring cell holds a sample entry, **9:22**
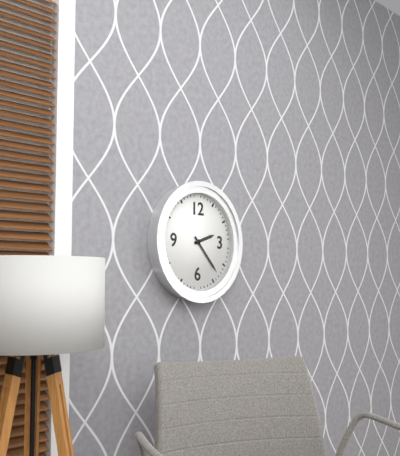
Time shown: **2:23**
